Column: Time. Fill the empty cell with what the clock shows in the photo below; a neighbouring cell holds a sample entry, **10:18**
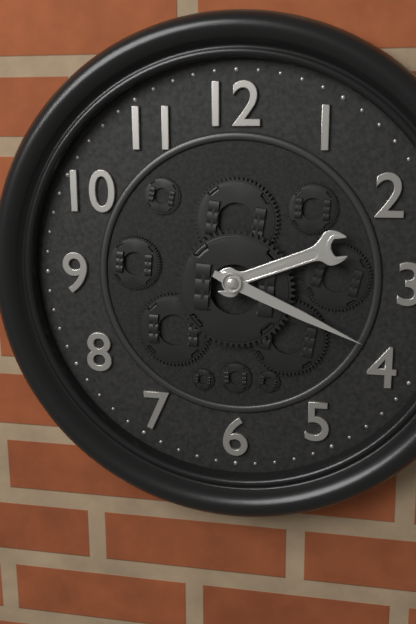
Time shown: **2:19**
